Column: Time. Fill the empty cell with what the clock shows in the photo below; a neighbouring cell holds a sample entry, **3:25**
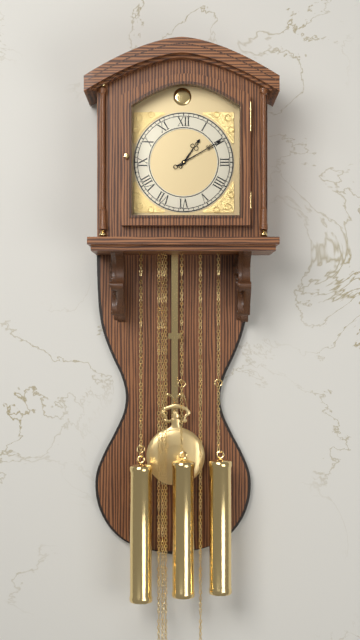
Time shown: **1:10**
